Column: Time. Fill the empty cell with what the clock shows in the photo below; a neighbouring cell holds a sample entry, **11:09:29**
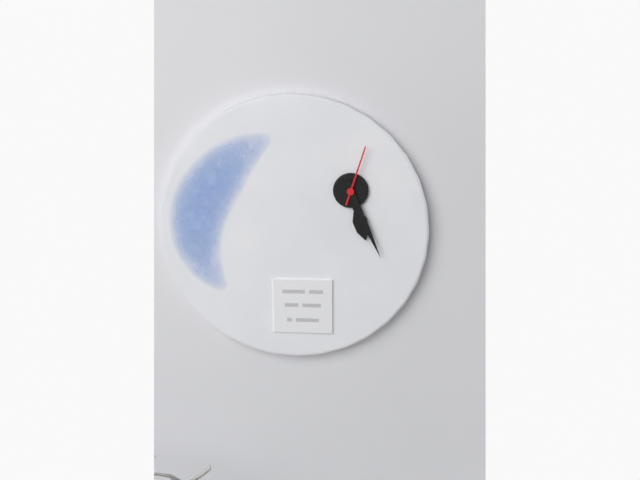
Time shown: **5:26:03**
